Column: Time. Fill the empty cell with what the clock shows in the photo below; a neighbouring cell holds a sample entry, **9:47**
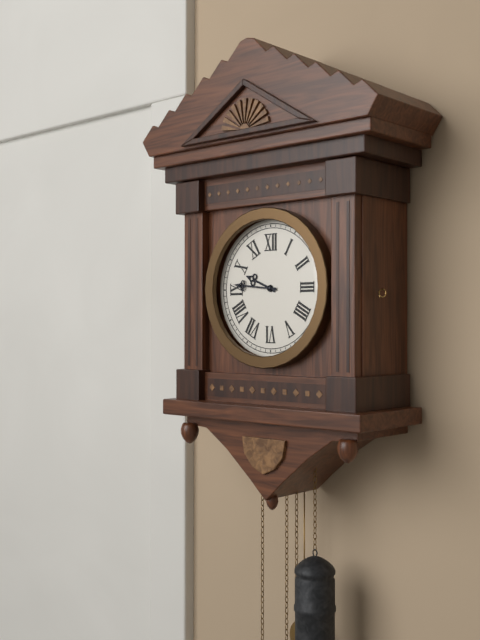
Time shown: **9:46**
